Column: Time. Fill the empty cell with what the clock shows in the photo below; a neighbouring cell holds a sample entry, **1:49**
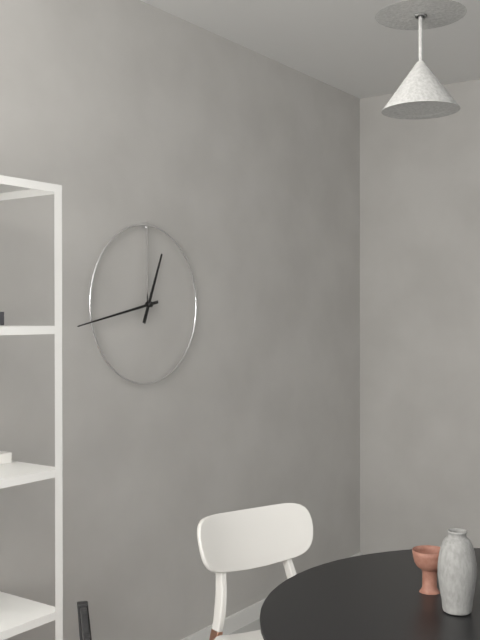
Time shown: **12:43**
